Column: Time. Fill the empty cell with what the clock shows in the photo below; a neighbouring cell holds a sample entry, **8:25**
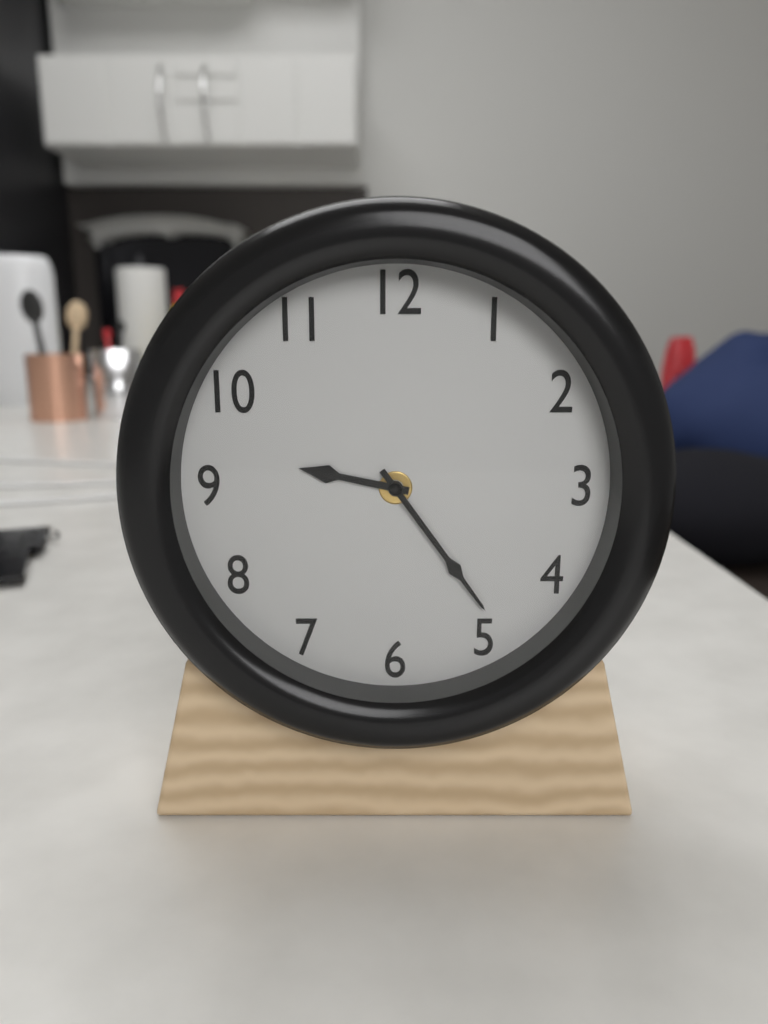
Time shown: **9:24**
